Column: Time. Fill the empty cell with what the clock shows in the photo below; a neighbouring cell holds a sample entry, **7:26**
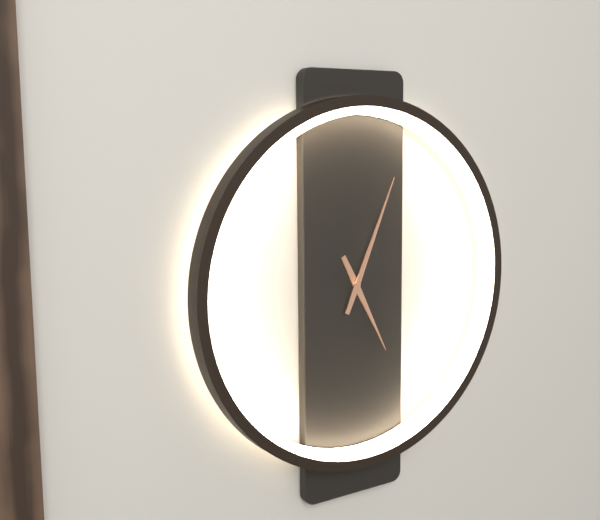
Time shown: **5:04**
